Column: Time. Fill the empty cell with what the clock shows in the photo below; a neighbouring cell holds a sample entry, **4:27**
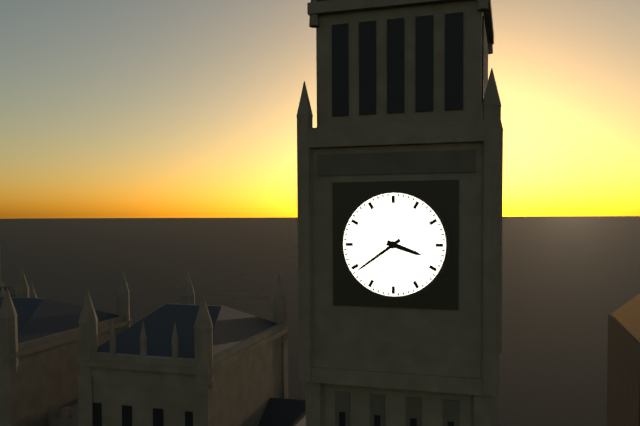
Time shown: **3:39**
